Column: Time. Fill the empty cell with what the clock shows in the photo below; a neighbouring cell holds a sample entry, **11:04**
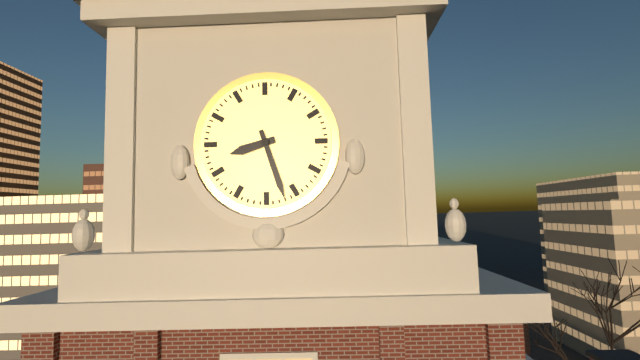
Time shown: **8:27**
